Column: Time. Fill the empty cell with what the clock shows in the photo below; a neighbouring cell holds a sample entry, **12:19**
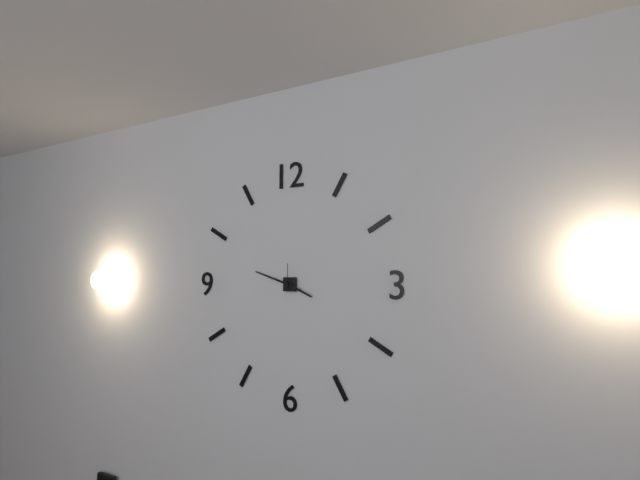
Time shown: **3:48**
